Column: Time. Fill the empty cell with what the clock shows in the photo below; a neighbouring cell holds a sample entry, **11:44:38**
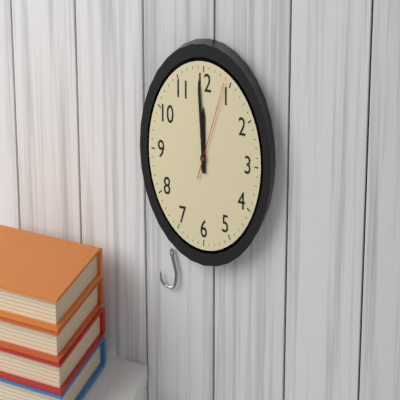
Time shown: **11:59:04**
